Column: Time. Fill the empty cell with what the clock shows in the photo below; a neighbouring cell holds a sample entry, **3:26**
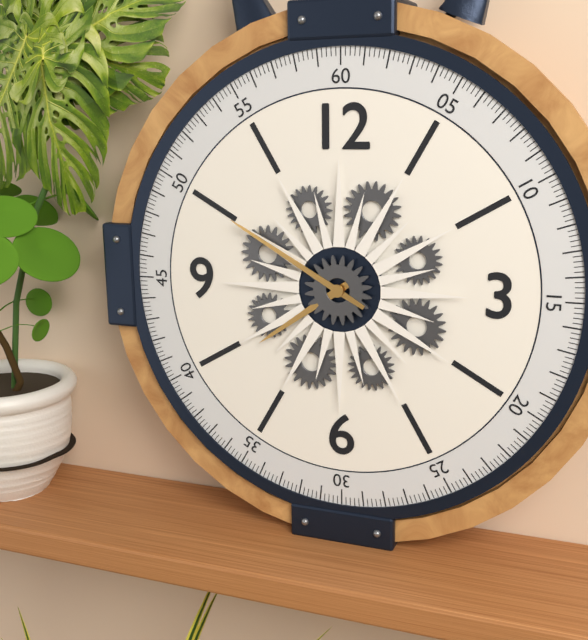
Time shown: **7:50**
